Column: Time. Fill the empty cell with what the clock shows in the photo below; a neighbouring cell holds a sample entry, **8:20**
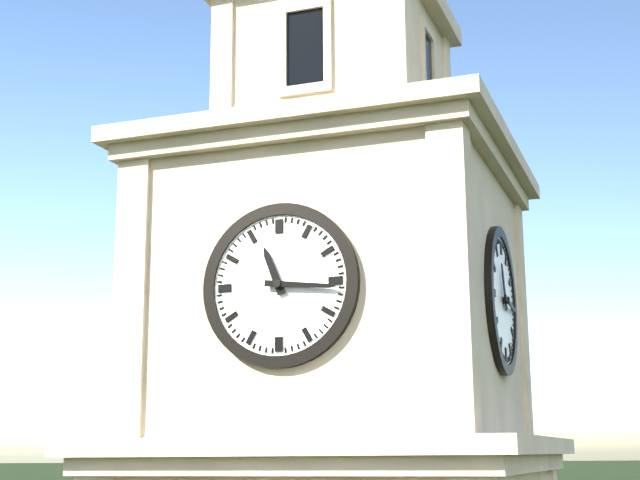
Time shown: **11:16**
